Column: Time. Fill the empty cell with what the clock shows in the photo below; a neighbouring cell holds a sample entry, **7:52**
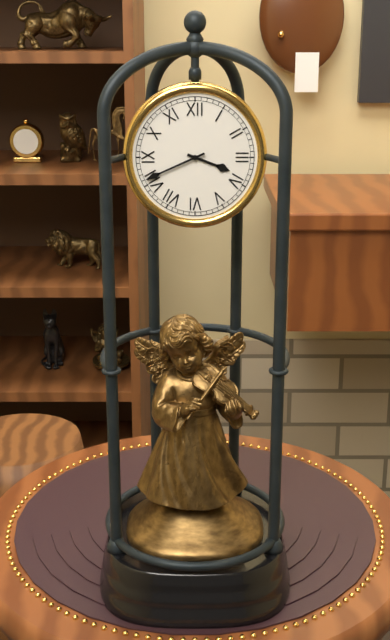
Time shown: **3:41**
